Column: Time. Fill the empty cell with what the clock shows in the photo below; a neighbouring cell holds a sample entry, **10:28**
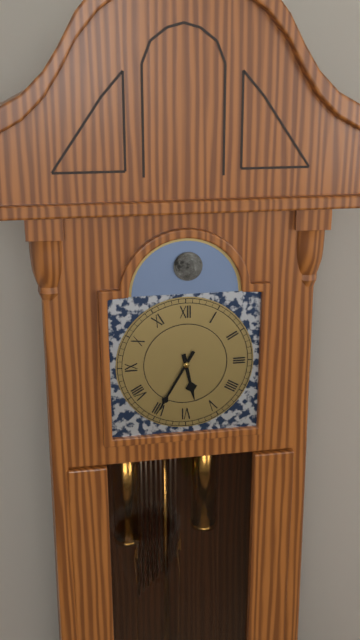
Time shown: **5:35**
